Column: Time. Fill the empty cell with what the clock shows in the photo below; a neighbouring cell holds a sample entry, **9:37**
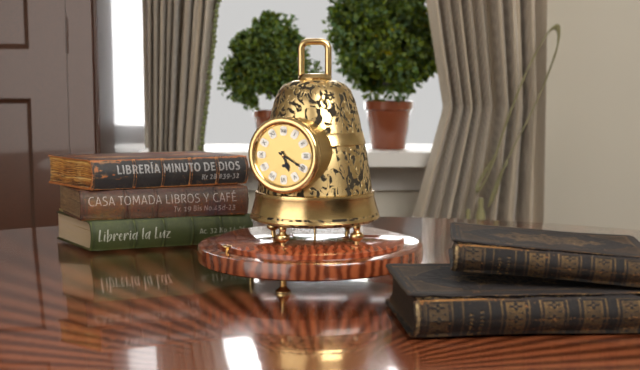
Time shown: **5:20**
